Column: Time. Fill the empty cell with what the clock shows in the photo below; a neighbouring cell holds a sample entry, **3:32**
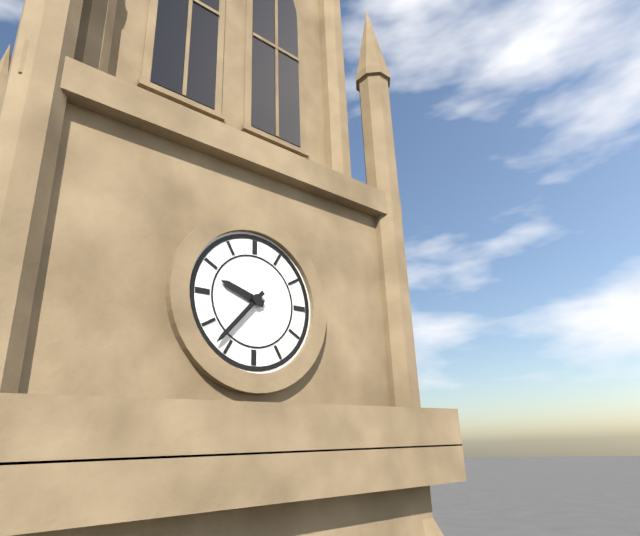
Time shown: **9:37**
